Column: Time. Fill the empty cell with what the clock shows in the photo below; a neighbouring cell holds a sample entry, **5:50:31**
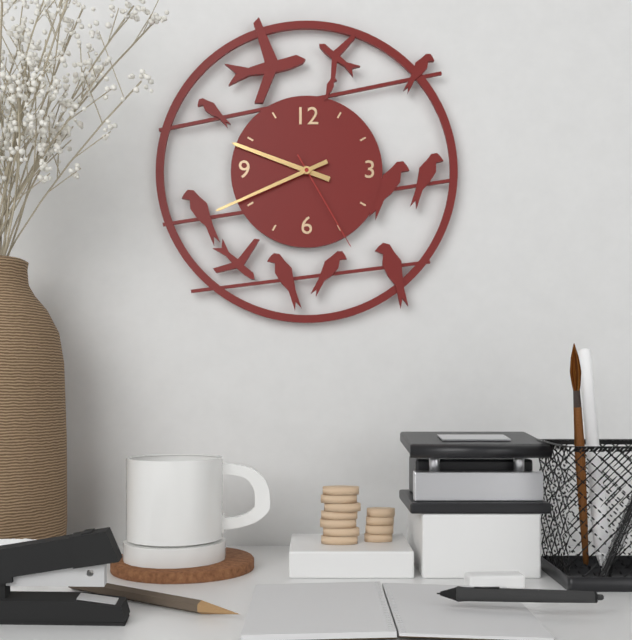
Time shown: **9:41:25**
